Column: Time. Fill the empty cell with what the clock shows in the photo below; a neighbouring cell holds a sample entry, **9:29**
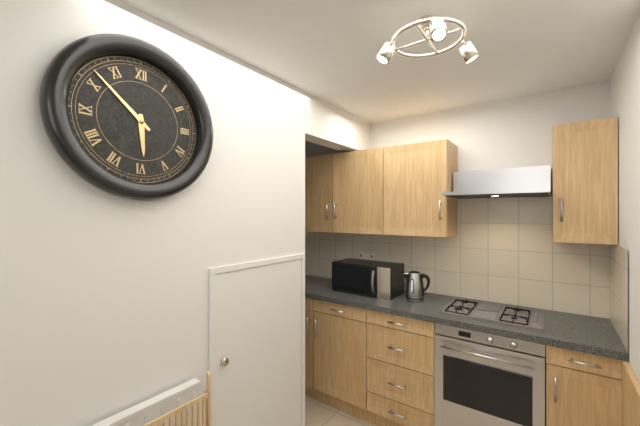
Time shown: **5:52**
